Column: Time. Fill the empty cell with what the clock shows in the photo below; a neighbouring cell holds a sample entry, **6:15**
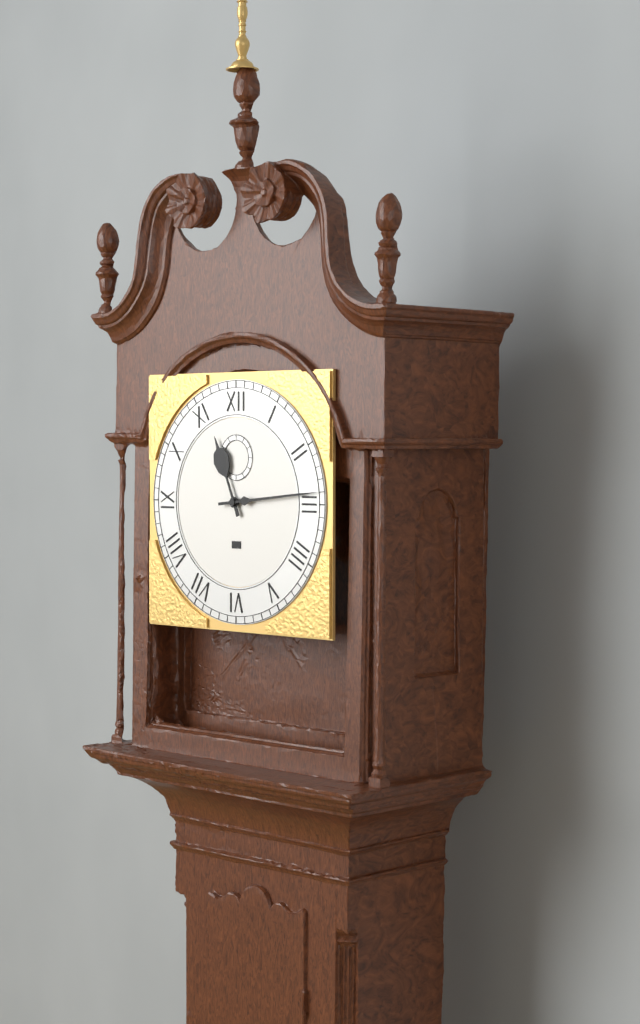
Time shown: **11:14**
